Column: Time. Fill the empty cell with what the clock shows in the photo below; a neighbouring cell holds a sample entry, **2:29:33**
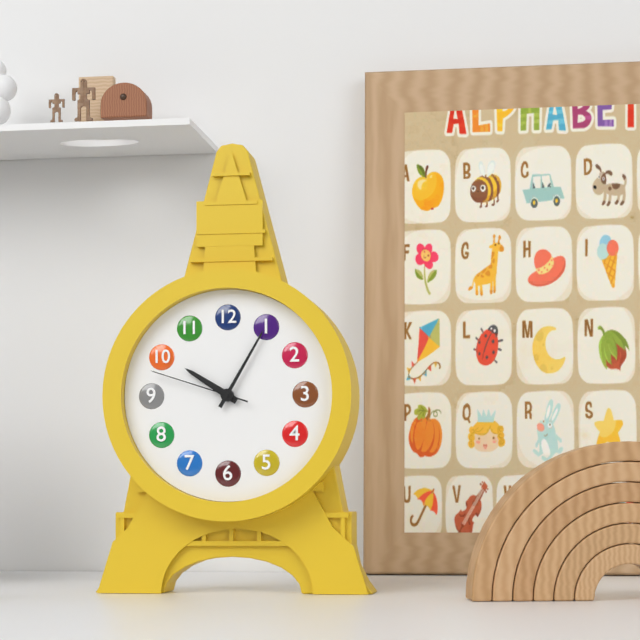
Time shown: **10:05:48**
